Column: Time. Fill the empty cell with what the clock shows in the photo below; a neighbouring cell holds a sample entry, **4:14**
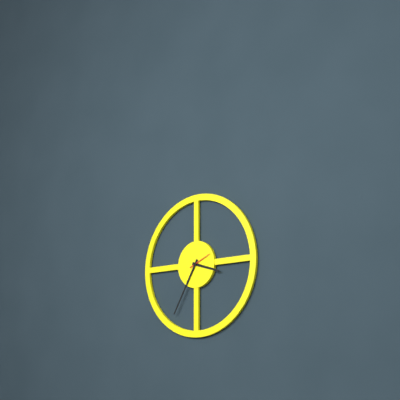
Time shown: **3:35**
